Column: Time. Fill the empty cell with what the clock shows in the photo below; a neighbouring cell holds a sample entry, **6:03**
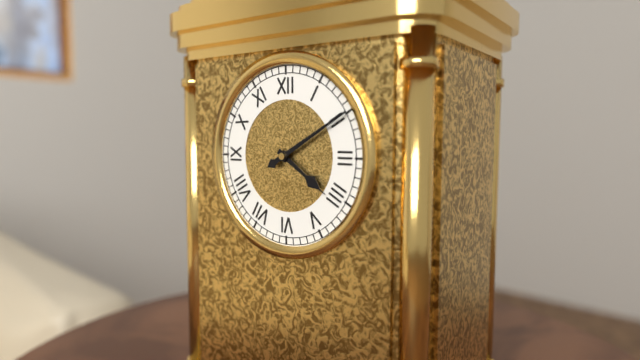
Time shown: **4:10**
